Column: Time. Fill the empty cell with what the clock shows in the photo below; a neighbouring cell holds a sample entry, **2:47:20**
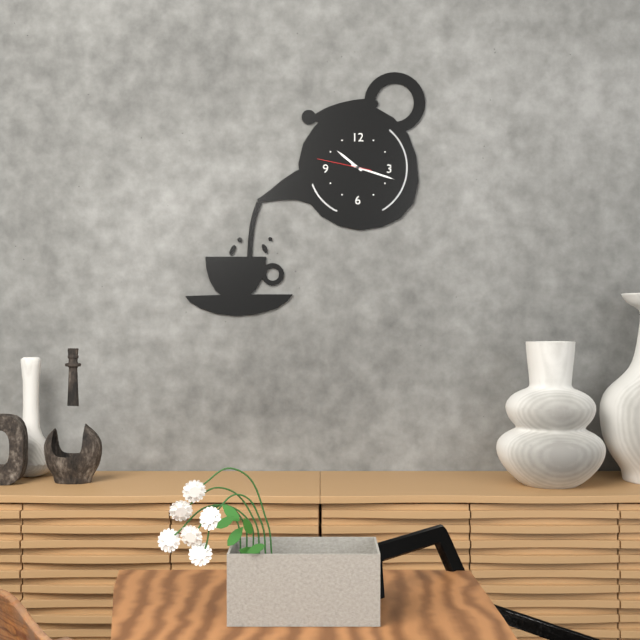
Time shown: **10:18:47**
